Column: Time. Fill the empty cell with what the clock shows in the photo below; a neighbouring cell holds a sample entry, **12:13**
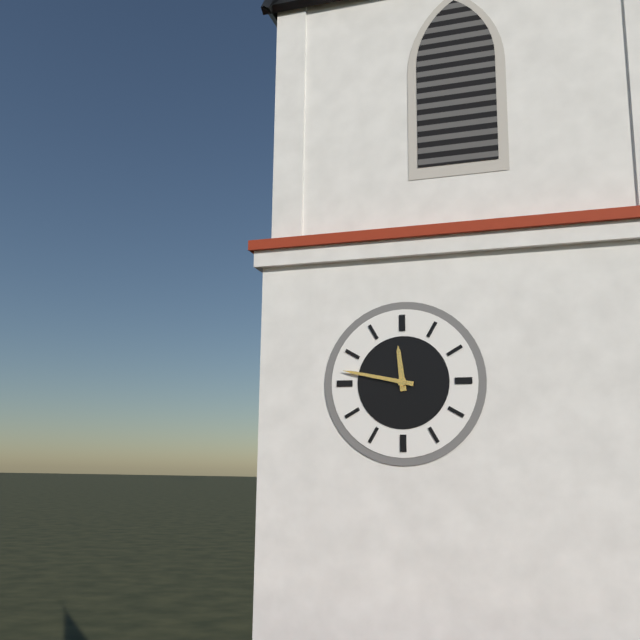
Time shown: **11:47**
